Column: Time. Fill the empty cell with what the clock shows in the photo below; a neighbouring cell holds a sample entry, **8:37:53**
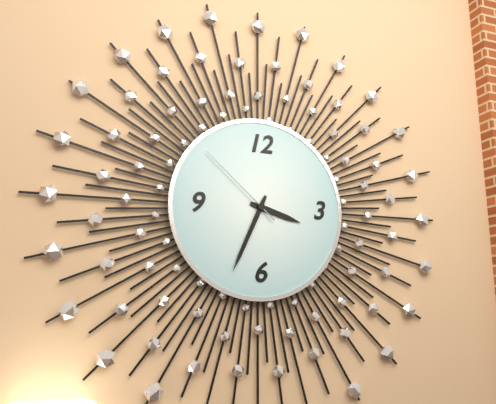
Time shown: **3:34:52**
